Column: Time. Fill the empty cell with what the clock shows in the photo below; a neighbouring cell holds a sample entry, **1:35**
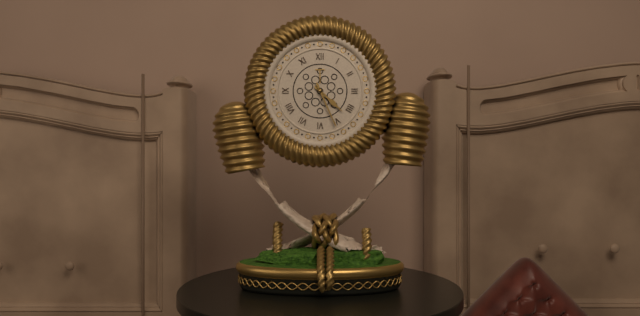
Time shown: **4:26**
